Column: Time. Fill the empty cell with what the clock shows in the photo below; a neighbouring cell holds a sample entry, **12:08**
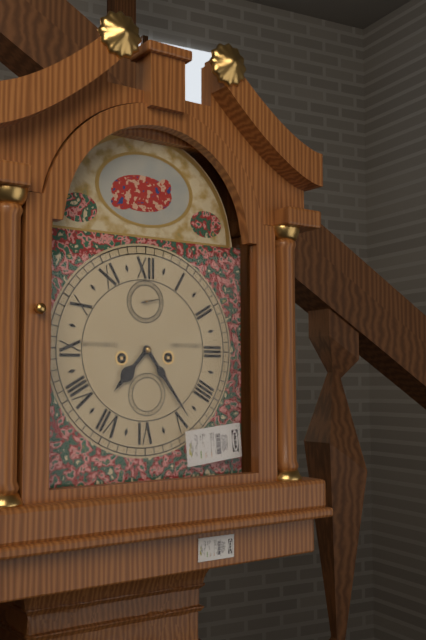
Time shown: **7:24**
